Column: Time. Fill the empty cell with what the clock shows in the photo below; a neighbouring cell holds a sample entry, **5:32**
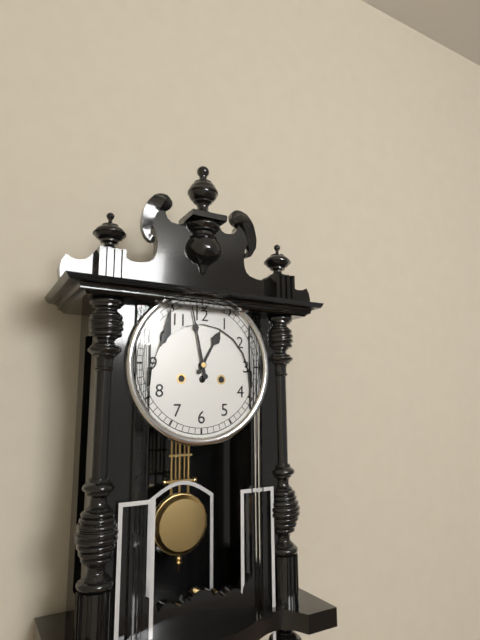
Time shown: **12:58**
